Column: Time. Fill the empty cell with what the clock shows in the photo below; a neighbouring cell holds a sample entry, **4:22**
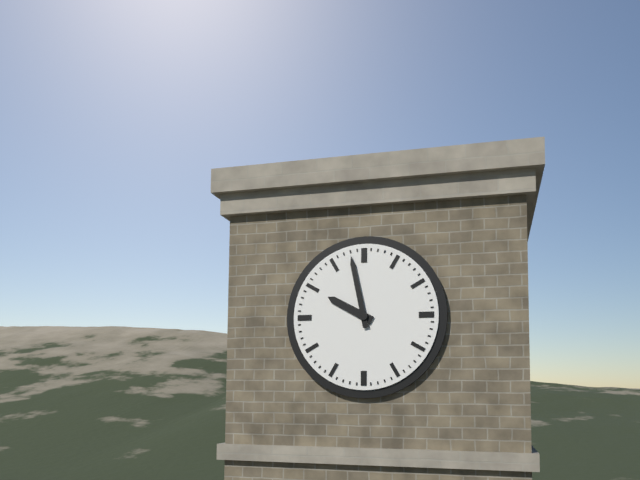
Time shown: **9:58**
